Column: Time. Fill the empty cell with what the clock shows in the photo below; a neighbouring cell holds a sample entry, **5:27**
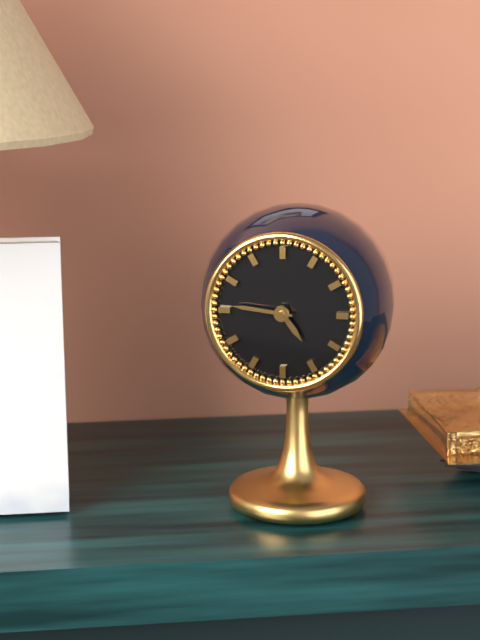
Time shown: **4:46**
